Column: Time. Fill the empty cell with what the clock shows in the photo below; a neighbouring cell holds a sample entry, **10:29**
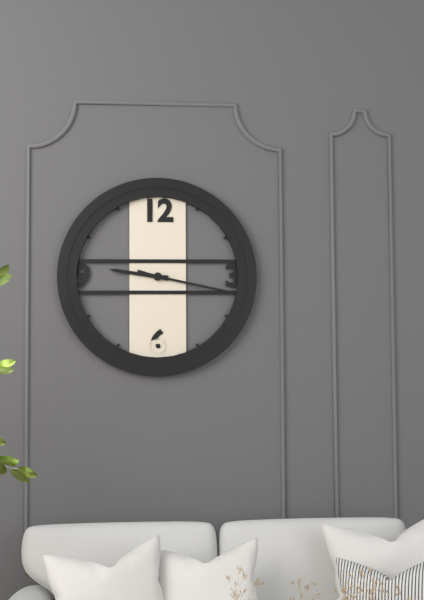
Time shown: **9:17**
